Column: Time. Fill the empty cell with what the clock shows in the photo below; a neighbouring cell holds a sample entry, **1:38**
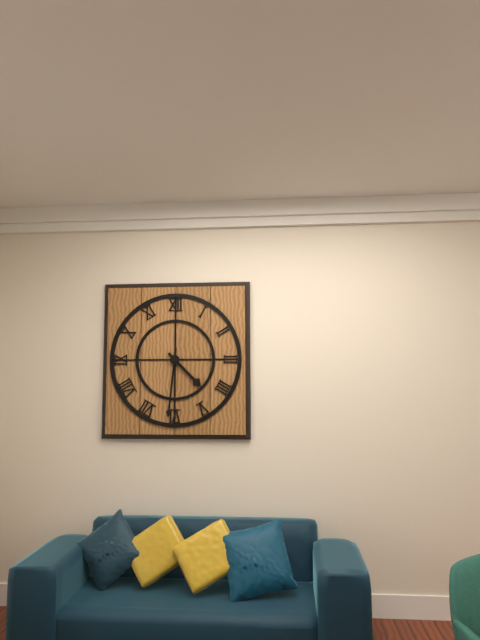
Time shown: **4:31**
